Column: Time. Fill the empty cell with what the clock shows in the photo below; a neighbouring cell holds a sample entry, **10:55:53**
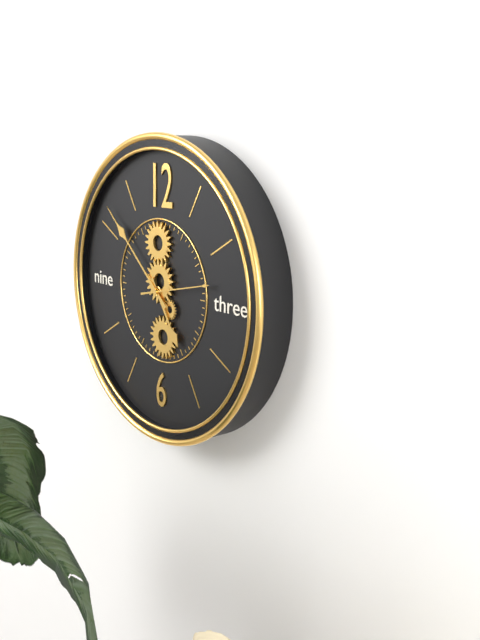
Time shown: **4:52:13**
